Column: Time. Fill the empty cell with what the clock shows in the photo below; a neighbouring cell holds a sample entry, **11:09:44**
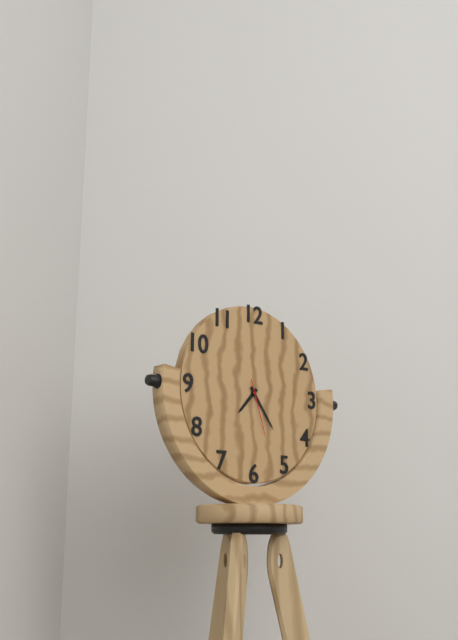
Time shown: **7:24:27**
